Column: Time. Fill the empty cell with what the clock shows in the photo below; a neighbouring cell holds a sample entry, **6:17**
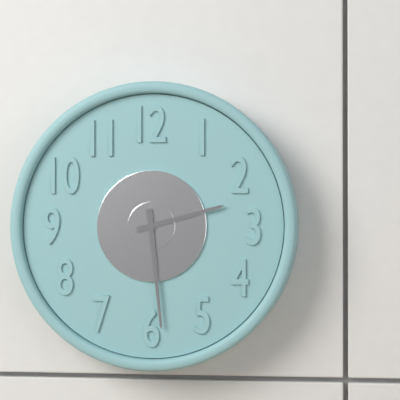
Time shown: **2:29**
